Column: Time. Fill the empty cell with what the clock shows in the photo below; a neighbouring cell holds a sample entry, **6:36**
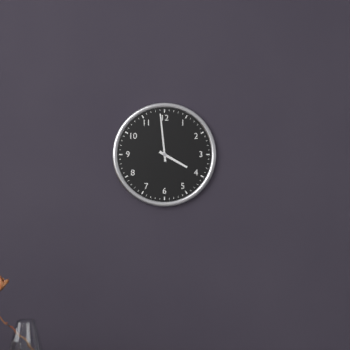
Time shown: **3:59**
